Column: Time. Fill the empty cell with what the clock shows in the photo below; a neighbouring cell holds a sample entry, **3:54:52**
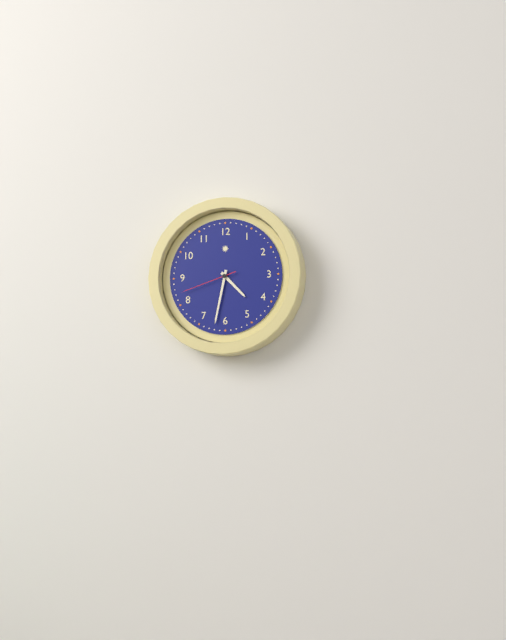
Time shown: **4:32:42**
